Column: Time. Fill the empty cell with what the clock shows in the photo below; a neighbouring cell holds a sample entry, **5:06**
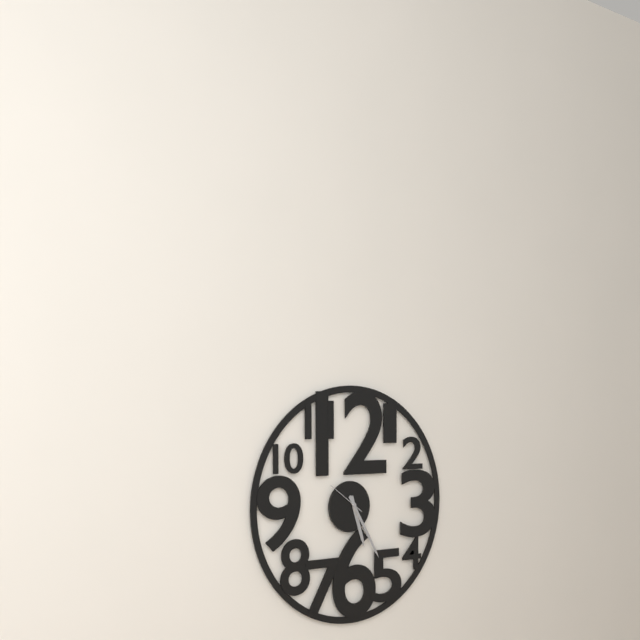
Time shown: **5:25**
